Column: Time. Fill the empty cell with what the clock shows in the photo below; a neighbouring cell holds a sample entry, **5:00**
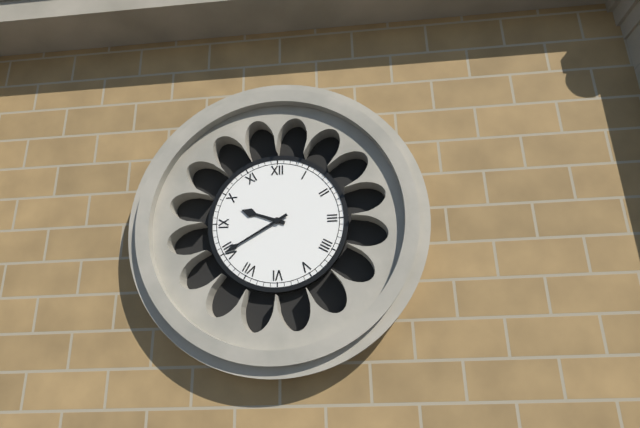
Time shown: **9:40**
